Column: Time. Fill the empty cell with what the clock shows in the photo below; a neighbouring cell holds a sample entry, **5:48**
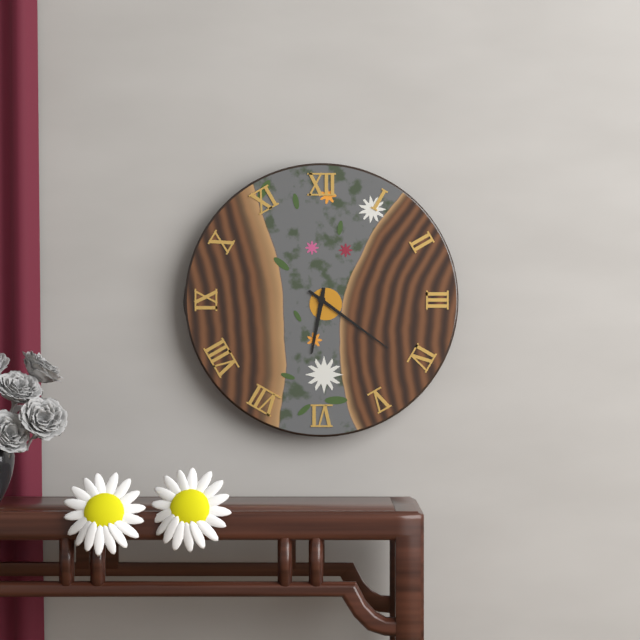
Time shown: **6:21**
